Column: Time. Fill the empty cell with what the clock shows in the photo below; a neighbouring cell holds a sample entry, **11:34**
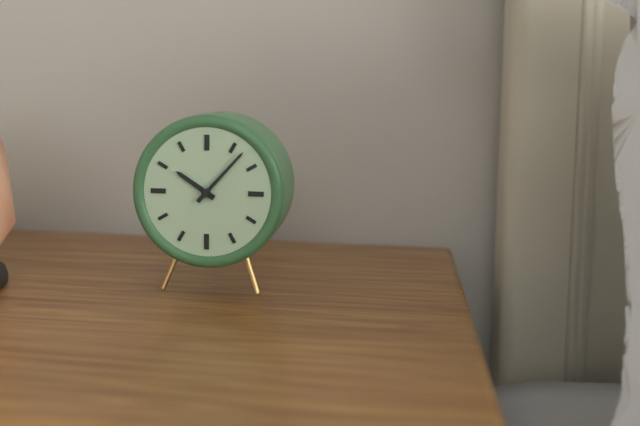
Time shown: **10:07**
